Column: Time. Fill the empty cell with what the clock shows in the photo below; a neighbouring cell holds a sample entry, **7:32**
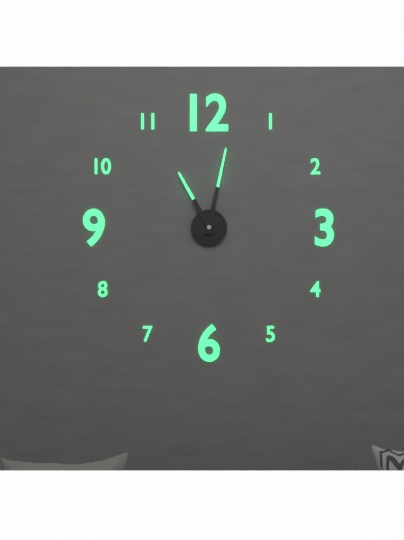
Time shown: **11:02**
